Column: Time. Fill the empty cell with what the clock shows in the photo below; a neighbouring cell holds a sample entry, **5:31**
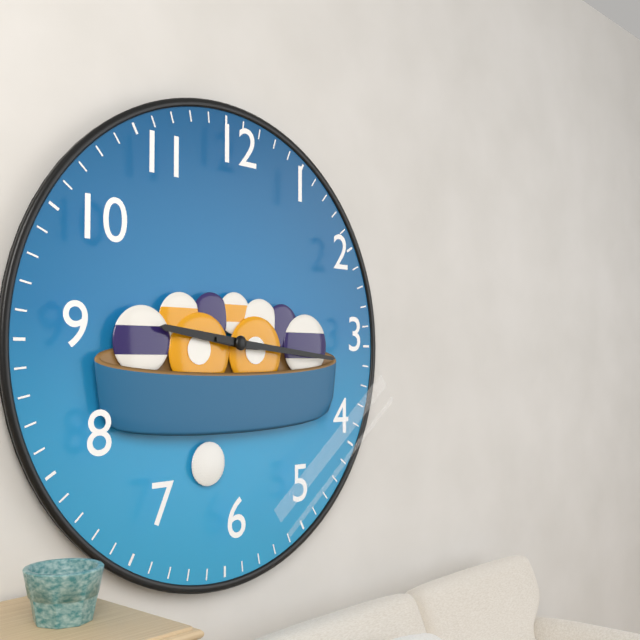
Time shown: **9:16**
